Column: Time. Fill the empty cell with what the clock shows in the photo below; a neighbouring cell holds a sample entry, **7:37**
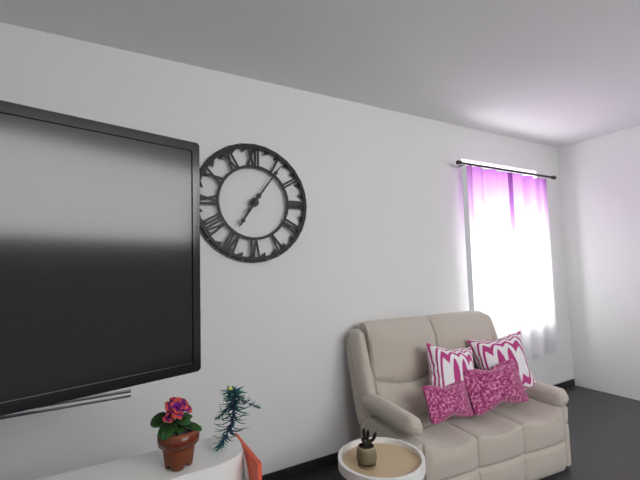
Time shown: **7:06**
